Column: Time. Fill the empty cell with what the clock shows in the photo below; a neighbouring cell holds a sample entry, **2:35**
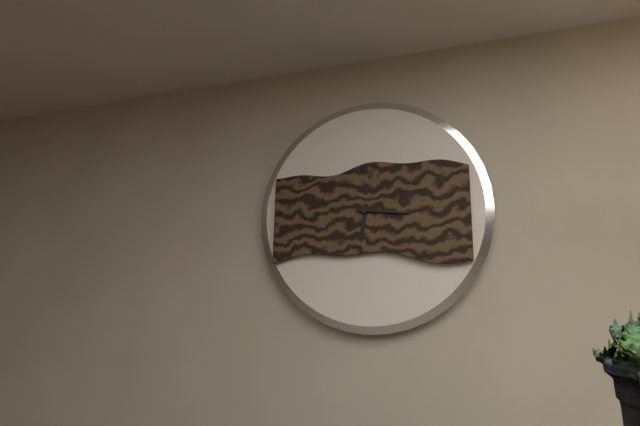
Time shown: **6:16**
